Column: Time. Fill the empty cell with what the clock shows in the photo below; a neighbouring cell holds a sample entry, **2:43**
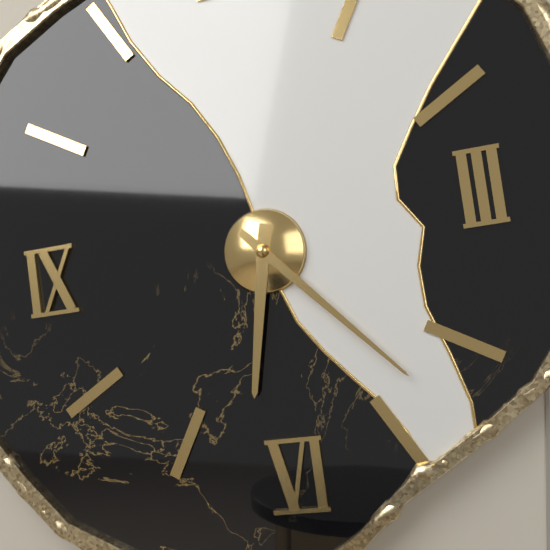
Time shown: **6:23**
